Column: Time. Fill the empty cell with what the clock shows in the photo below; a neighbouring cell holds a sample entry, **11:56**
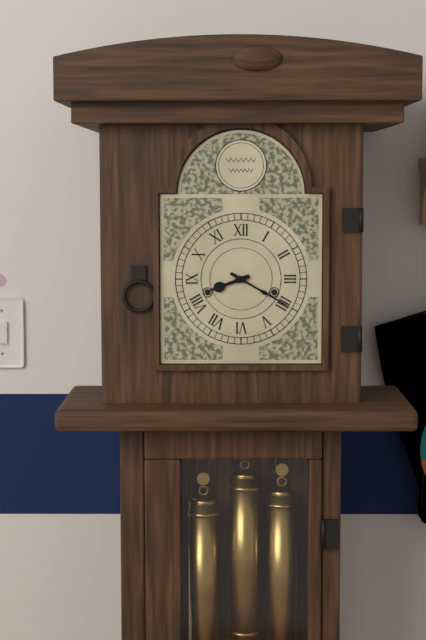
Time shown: **8:20**
